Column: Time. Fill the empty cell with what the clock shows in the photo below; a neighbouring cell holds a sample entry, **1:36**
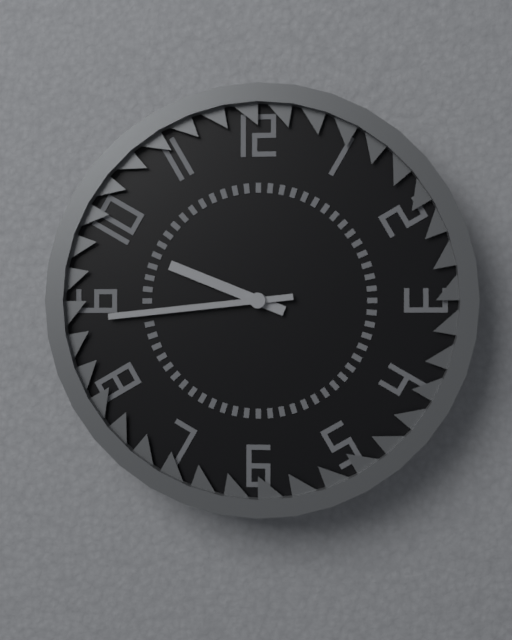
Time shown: **9:44**
